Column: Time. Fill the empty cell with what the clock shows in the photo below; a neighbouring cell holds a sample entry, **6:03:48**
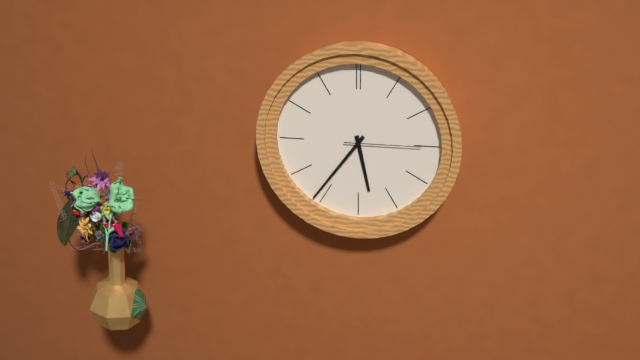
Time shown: **5:36:15**
